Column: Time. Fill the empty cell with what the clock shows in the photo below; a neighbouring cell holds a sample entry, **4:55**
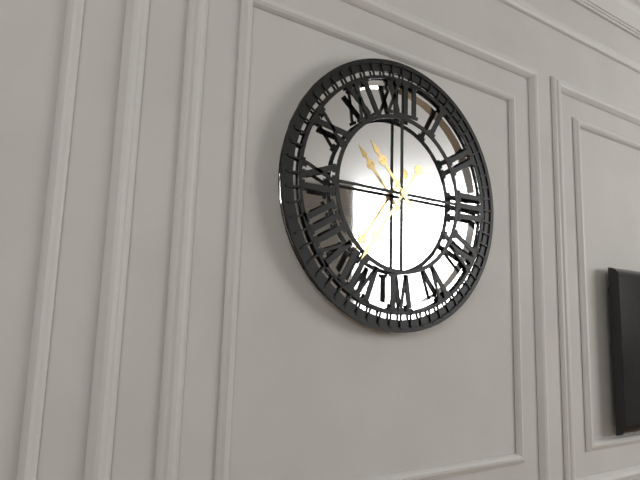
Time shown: **10:36**
